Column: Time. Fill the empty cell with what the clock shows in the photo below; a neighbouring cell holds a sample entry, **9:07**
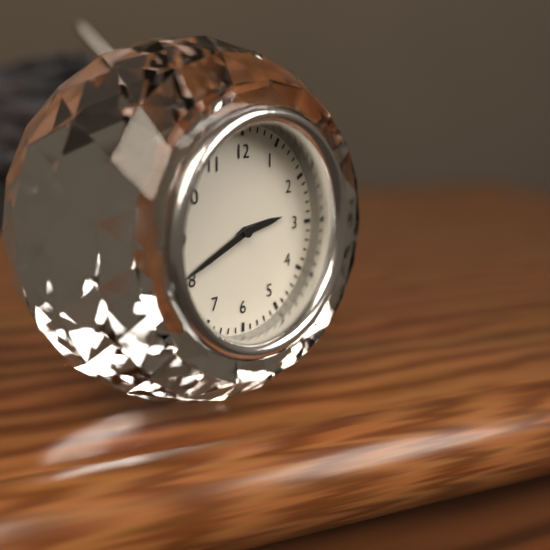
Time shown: **2:41**
